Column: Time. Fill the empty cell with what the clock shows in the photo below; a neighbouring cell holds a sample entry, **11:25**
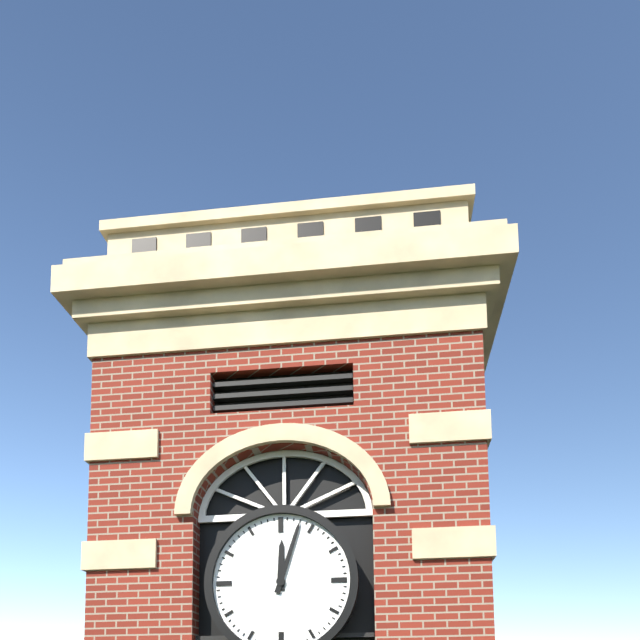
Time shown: **12:03**
